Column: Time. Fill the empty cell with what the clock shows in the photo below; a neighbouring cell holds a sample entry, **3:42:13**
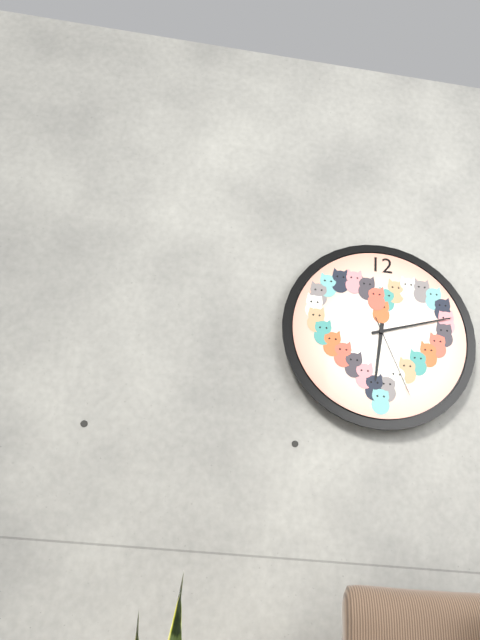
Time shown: **6:12:26**
